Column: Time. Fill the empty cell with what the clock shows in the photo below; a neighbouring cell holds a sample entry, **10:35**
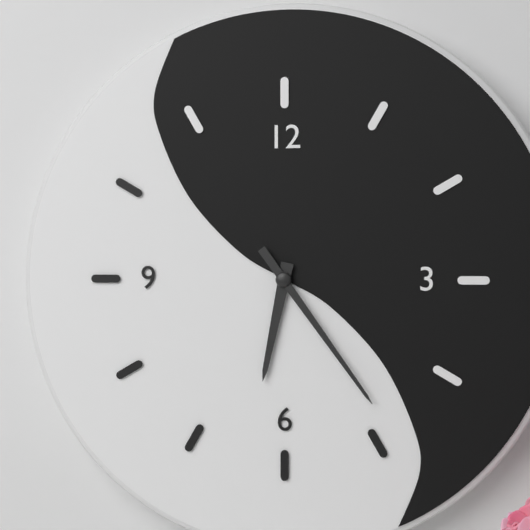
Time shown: **6:24**
